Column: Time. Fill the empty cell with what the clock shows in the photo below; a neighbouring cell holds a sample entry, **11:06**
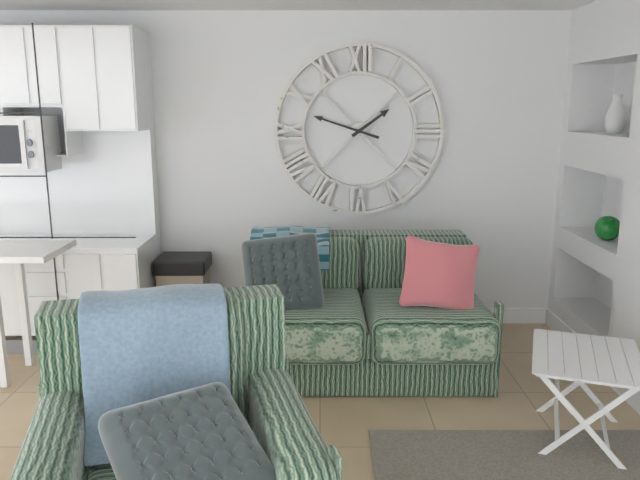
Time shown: **1:48**
